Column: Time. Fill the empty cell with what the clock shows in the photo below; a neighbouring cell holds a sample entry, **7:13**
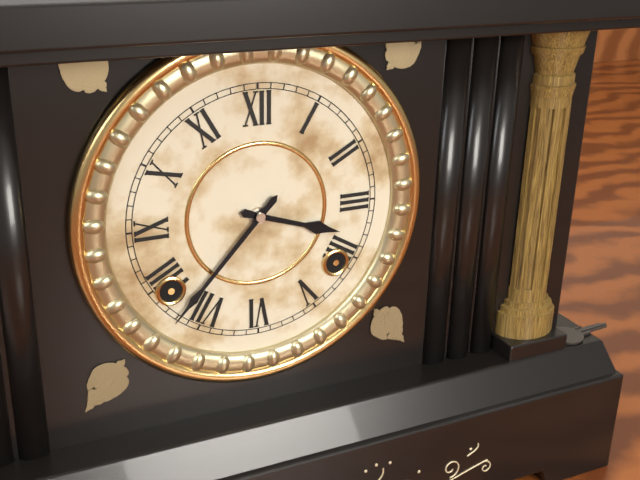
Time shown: **3:37**
